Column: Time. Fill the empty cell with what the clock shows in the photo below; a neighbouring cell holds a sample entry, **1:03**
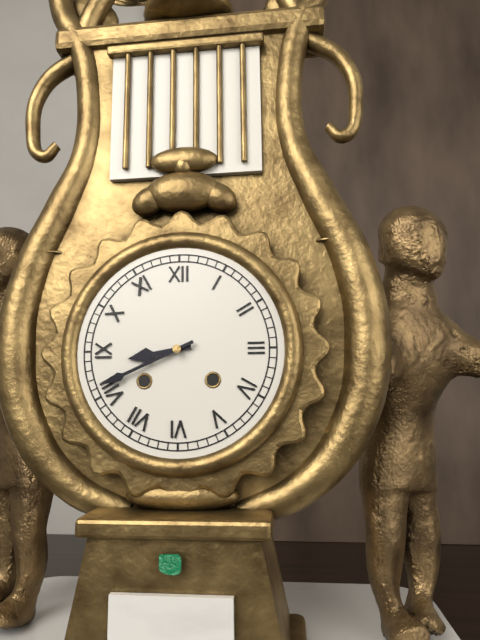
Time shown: **8:41**
